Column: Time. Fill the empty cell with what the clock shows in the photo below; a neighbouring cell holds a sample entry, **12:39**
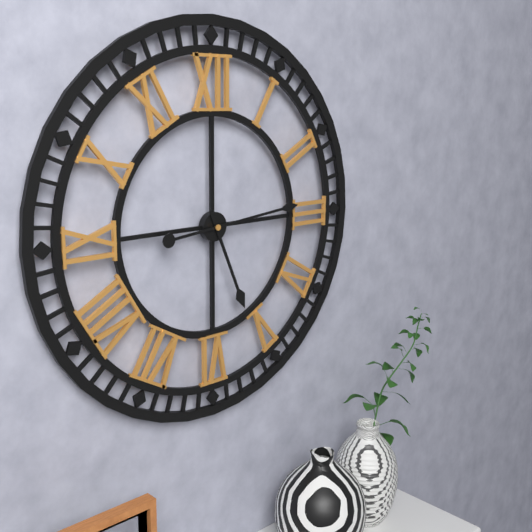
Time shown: **5:14**
